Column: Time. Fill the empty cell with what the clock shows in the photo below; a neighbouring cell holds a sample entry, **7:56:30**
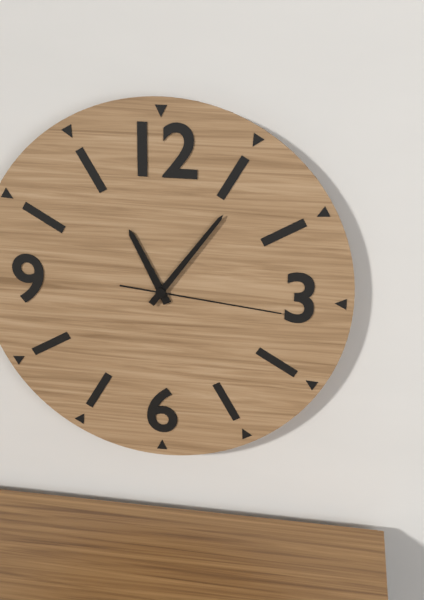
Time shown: **11:06:16**
